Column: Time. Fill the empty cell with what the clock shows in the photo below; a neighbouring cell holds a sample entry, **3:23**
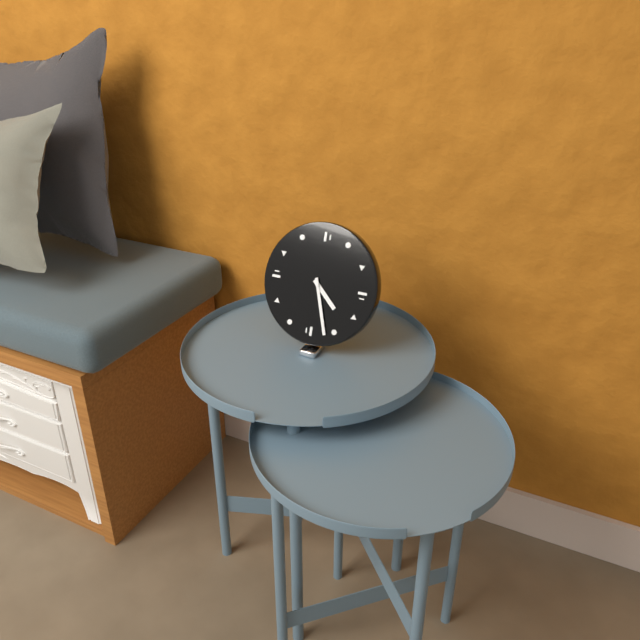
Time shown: **4:27**
